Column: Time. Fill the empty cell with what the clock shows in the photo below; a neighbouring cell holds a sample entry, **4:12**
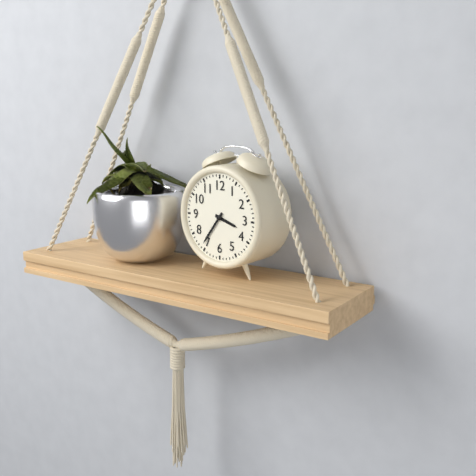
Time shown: **3:36**
